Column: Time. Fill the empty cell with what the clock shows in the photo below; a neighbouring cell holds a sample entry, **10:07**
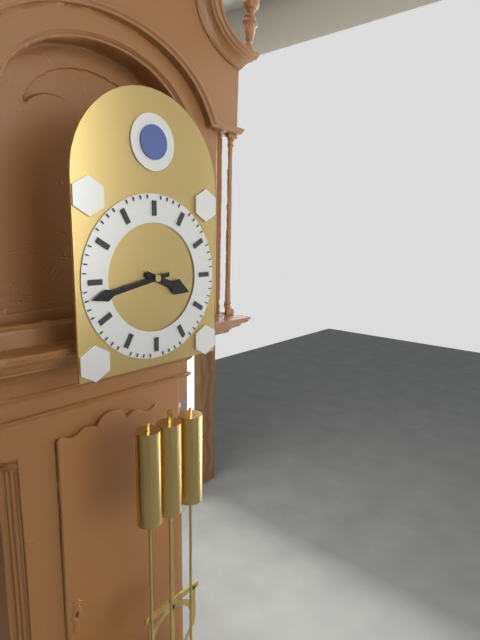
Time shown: **3:43**
